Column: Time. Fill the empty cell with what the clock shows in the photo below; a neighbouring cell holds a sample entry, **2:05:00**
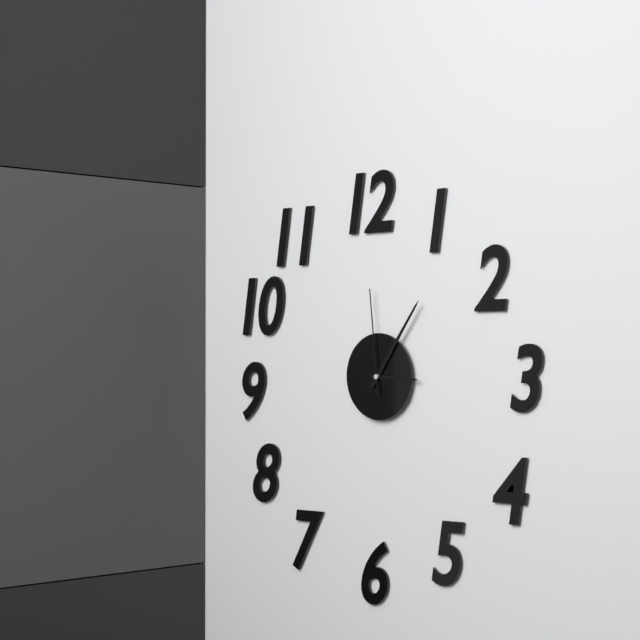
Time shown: **3:06:59**
